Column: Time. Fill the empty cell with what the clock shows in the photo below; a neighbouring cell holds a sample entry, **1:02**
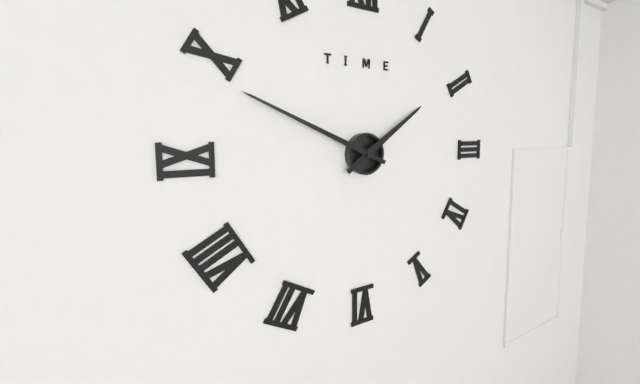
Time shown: **1:49**
